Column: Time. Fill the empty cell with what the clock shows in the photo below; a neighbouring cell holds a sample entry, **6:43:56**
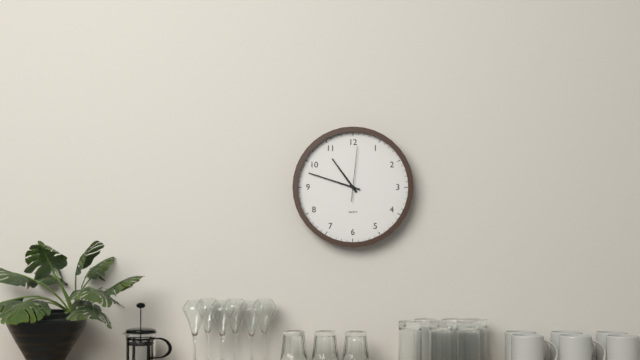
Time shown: **10:48:01**
